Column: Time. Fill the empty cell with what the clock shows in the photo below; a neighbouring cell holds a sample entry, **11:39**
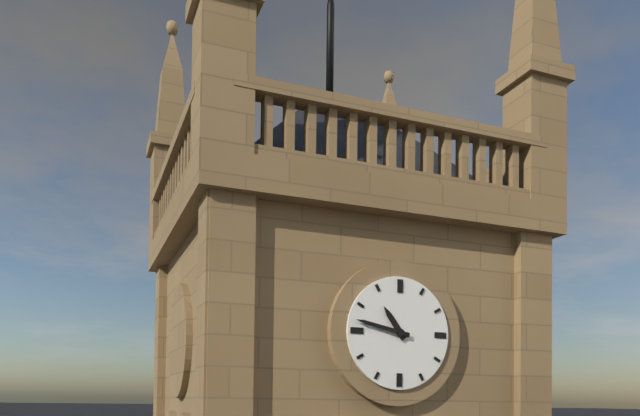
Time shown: **10:47**
